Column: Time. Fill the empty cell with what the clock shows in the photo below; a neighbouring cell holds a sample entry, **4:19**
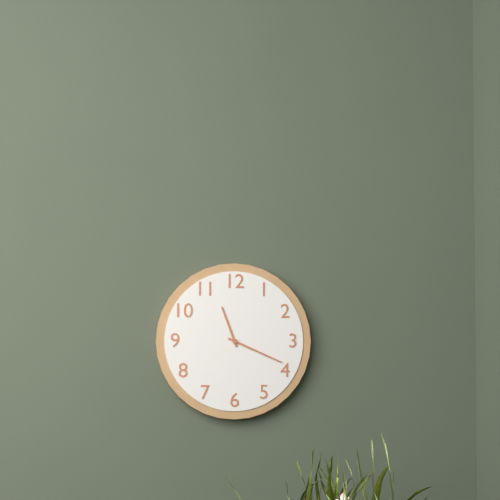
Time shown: **11:19**
